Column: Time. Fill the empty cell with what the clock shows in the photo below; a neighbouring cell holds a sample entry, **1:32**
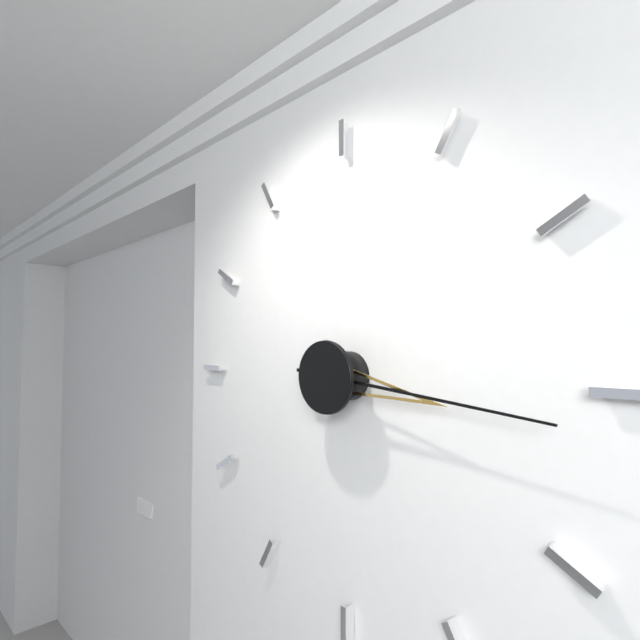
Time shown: **3:16**
